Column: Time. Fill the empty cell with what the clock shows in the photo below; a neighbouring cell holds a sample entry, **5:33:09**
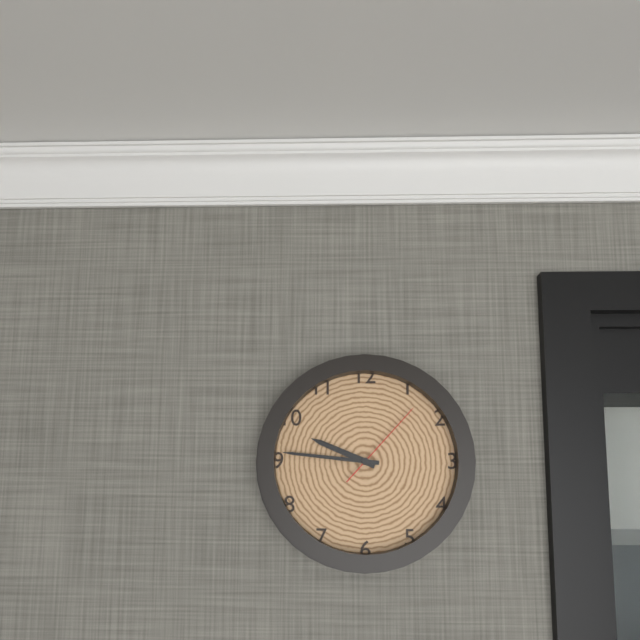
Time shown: **9:46:07**
